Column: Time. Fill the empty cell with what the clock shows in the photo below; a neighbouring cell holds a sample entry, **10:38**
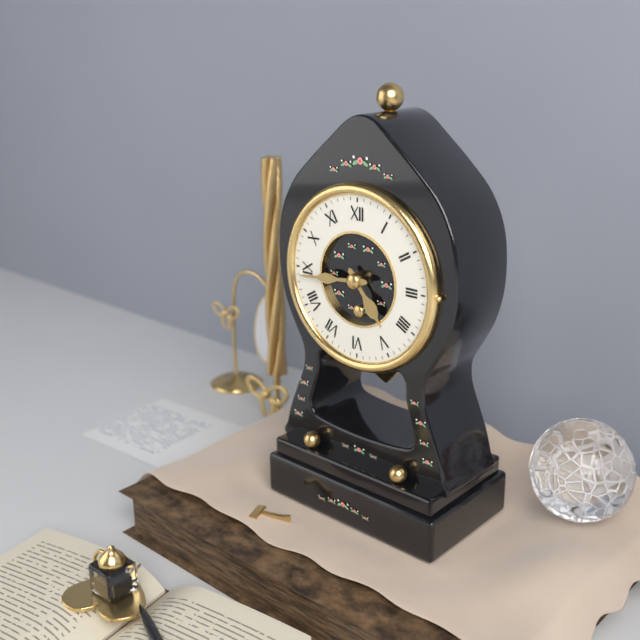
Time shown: **4:44**
